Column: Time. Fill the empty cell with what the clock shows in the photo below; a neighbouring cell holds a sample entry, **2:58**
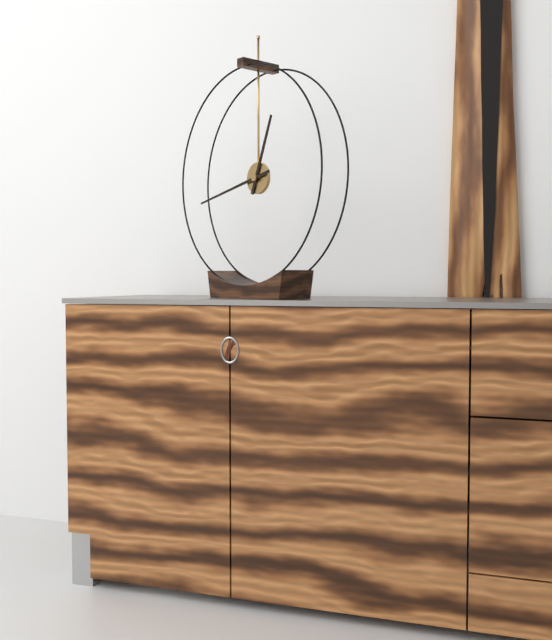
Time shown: **12:43**
